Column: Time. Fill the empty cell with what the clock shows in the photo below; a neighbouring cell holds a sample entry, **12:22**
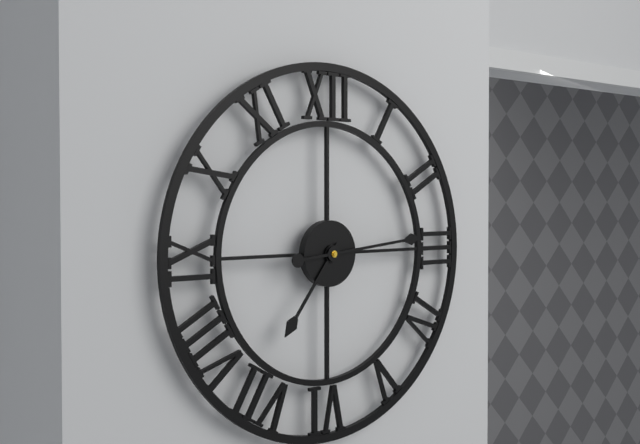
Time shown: **7:14**
